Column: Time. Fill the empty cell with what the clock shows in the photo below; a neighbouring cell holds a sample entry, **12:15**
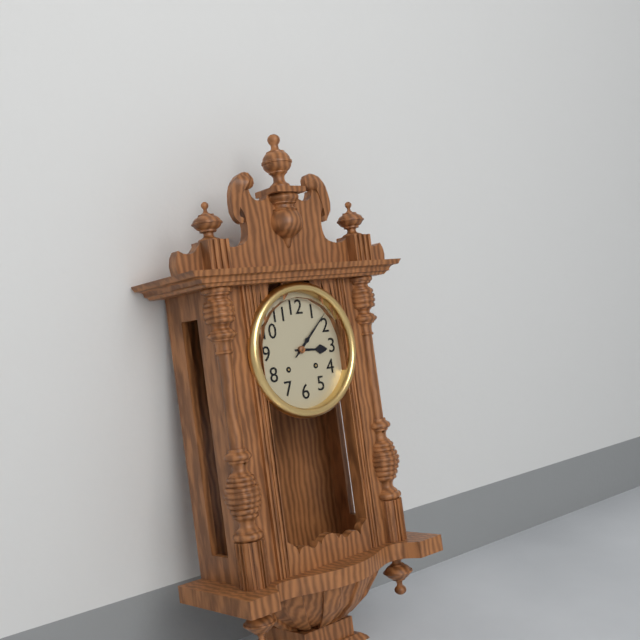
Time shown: **3:08**
